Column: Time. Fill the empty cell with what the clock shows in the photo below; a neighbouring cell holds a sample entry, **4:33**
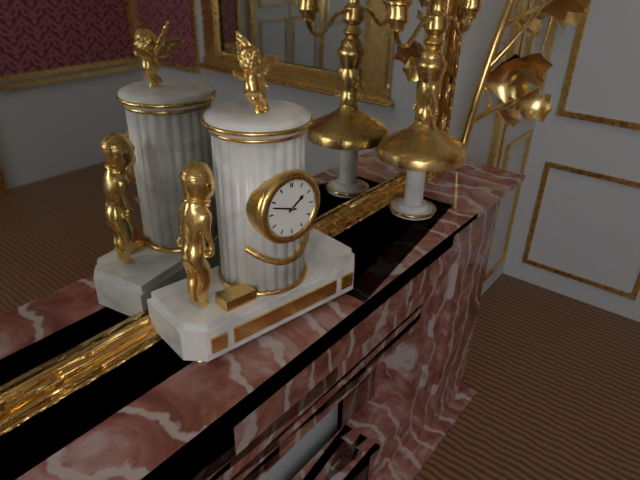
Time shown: **1:48**
